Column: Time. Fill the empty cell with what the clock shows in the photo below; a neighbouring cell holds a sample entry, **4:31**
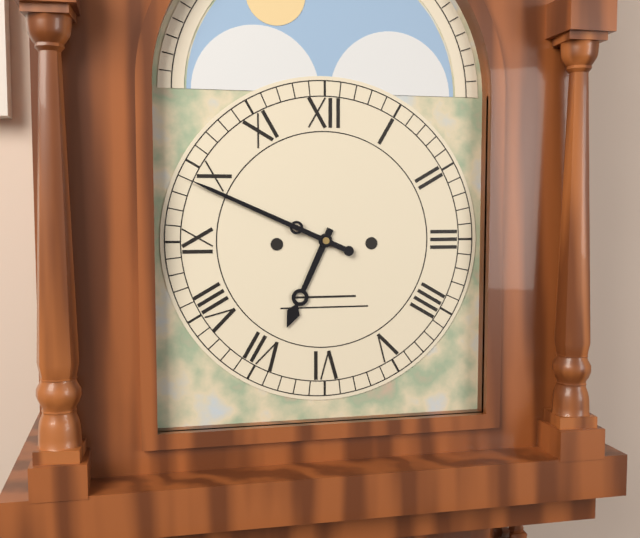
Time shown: **6:49**
